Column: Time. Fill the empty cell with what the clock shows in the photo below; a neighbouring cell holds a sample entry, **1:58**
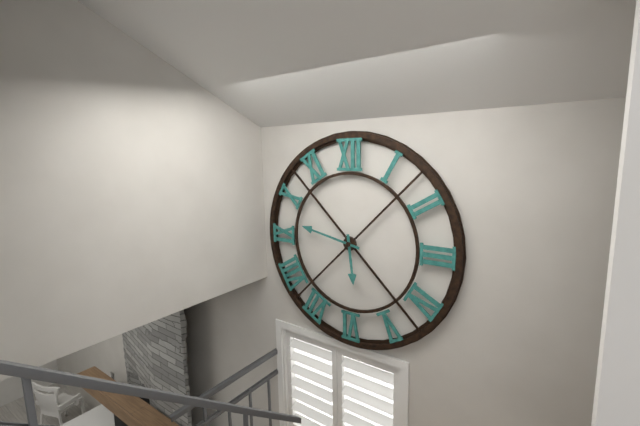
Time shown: **5:47**
